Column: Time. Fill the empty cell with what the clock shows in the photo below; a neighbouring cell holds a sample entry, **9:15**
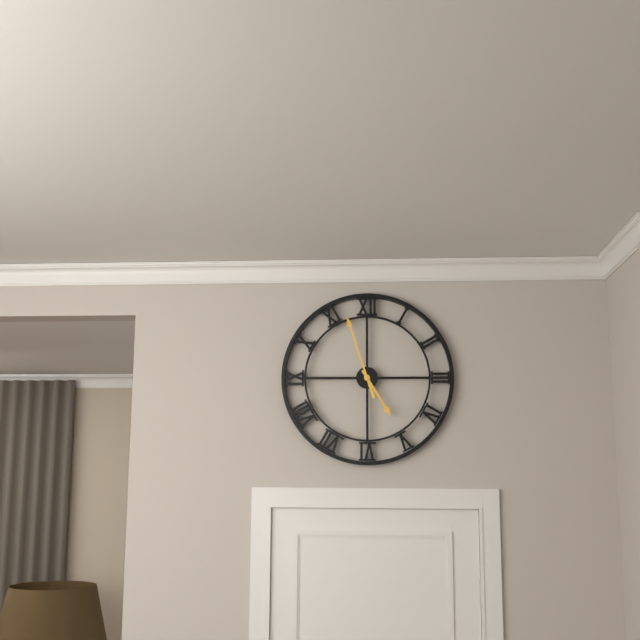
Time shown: **4:57**
